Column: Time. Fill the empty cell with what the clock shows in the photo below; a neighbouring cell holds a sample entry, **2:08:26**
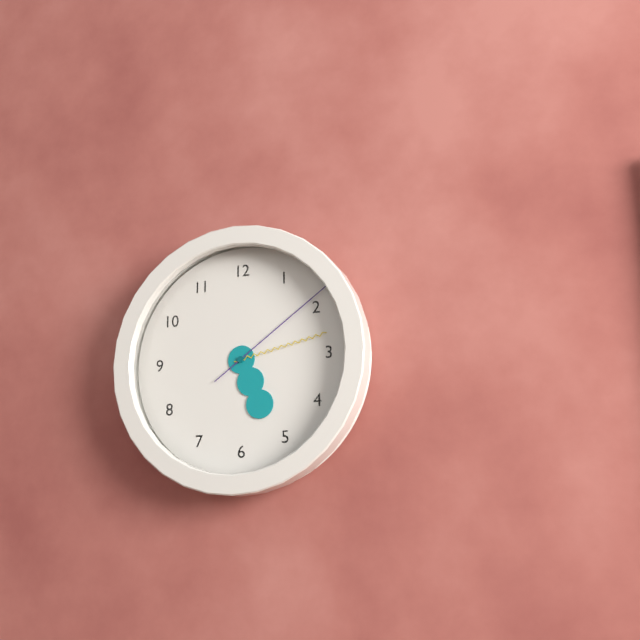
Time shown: **5:13:09**
